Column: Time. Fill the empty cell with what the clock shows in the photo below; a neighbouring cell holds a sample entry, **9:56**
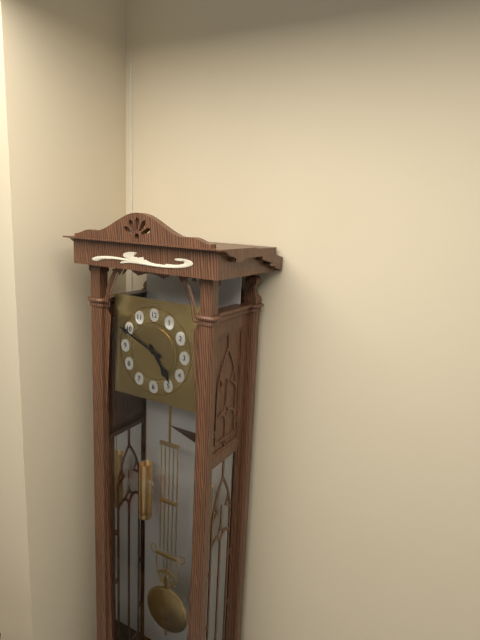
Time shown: **4:49**
